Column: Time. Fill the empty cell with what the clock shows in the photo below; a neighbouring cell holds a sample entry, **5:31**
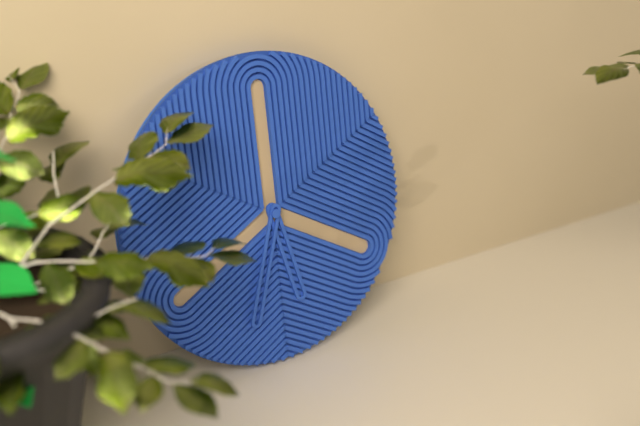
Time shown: **5:33**
